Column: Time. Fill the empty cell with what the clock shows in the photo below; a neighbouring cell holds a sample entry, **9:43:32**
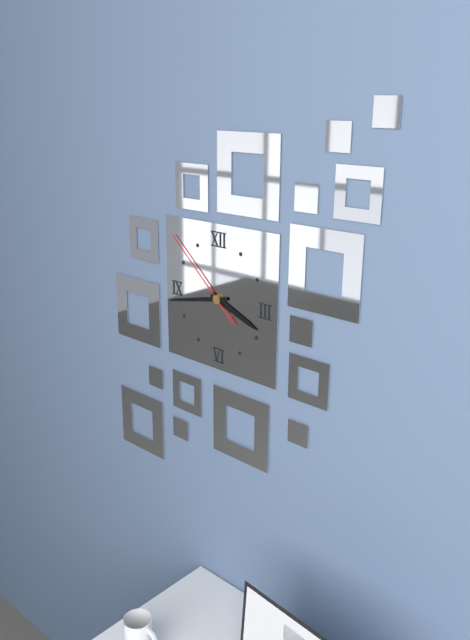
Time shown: **3:43:52**
